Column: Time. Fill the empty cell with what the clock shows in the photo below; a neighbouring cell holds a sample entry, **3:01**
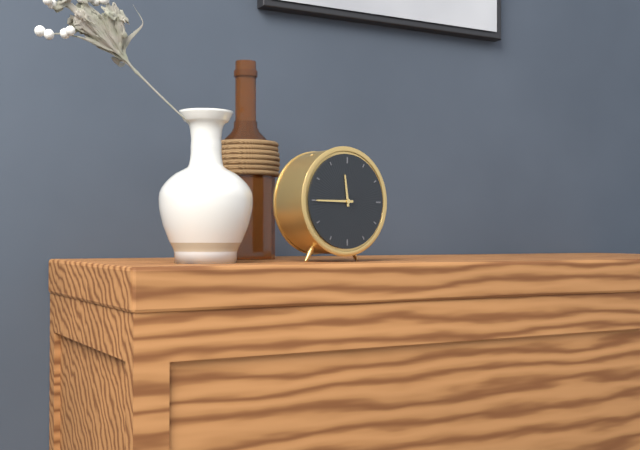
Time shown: **11:45**
